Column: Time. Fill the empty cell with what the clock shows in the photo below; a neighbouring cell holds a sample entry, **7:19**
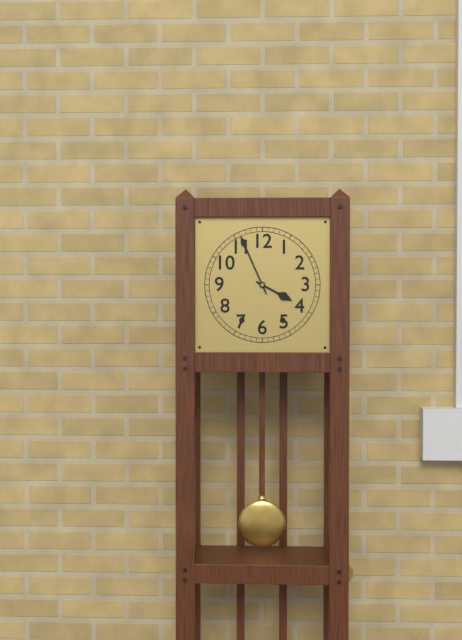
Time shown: **3:56**
